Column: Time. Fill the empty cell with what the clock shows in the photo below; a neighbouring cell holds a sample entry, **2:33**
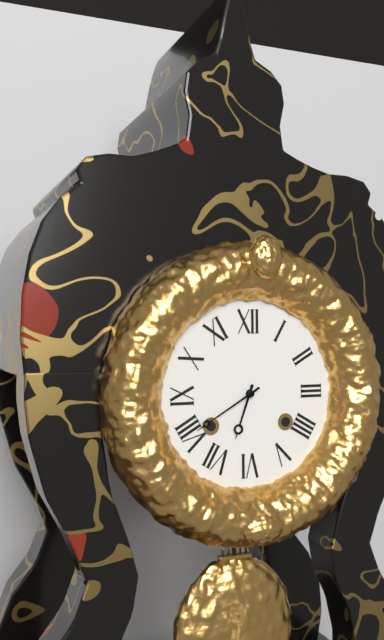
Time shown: **6:40**
